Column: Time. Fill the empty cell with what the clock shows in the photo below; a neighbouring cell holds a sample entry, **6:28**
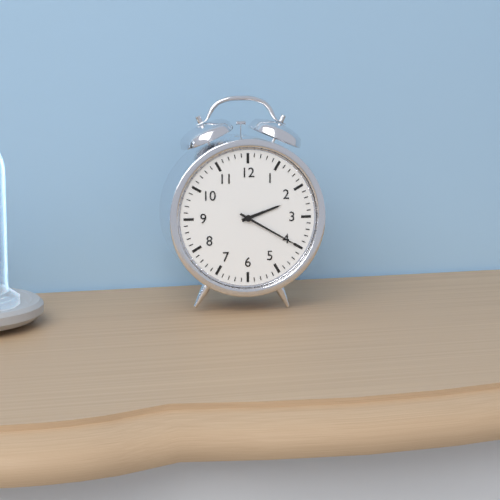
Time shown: **2:20**
